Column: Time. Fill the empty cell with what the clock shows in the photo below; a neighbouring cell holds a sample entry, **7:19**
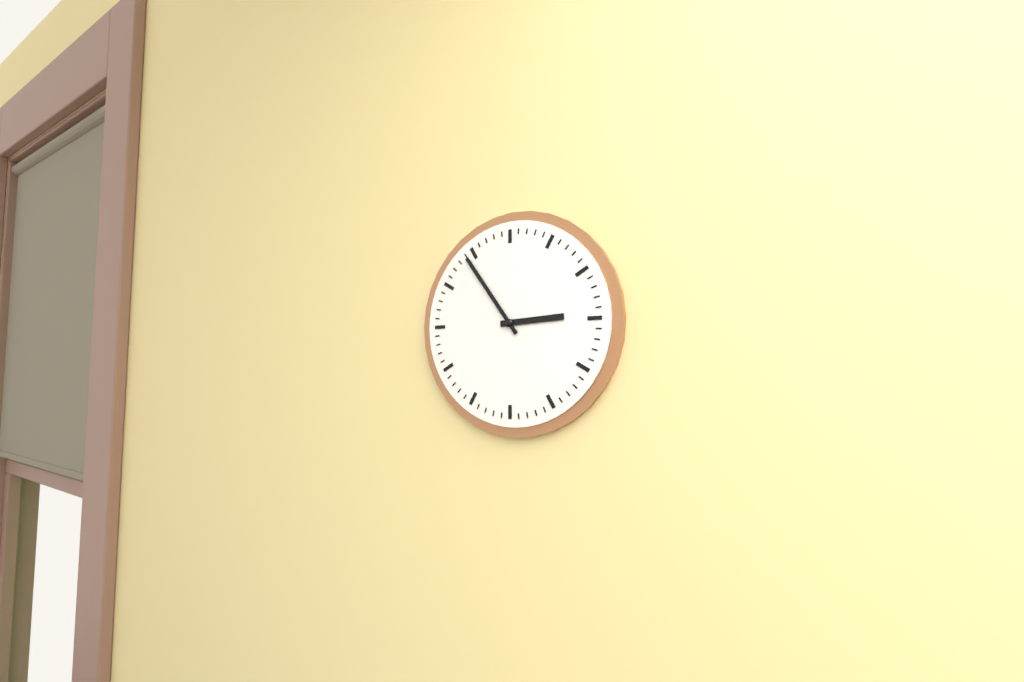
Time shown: **2:54**
